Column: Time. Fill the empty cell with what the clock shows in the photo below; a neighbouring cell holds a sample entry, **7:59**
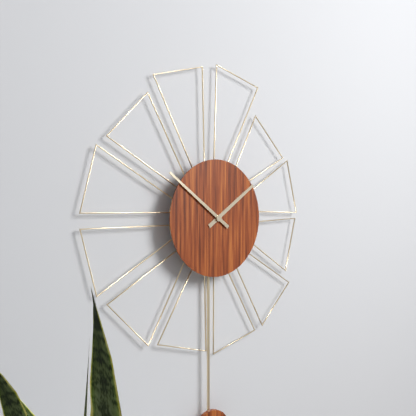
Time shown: **1:51**
